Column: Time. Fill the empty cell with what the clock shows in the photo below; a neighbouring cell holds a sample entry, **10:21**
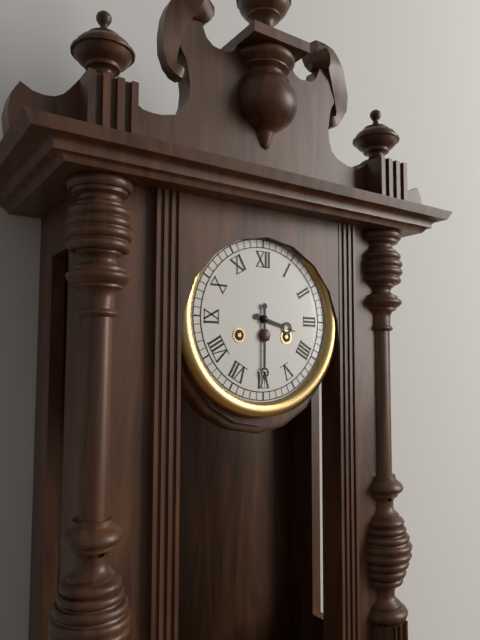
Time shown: **3:30**
